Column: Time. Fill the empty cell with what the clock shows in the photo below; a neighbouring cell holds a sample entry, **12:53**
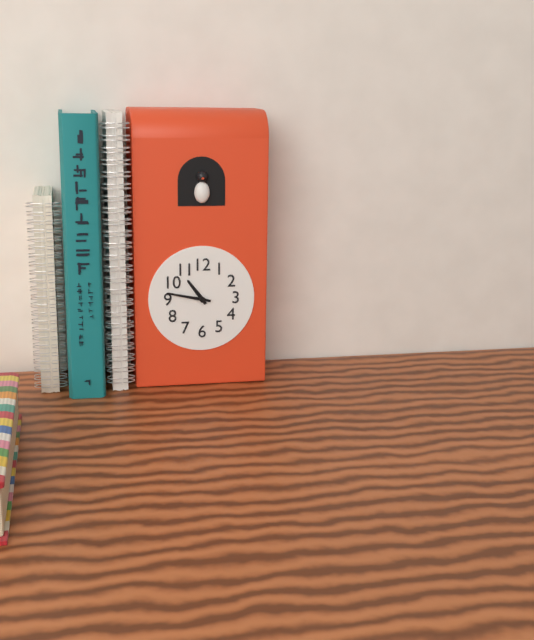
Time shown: **10:47**
